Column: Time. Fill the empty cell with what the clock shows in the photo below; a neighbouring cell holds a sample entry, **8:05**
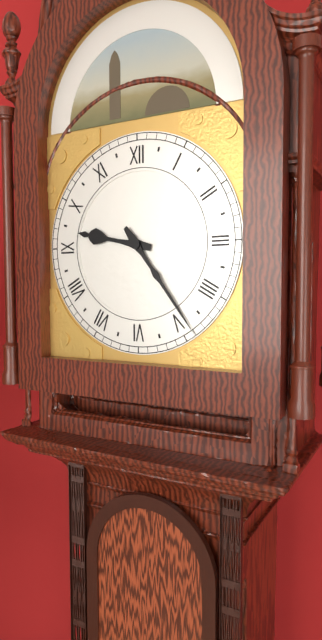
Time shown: **9:24**
